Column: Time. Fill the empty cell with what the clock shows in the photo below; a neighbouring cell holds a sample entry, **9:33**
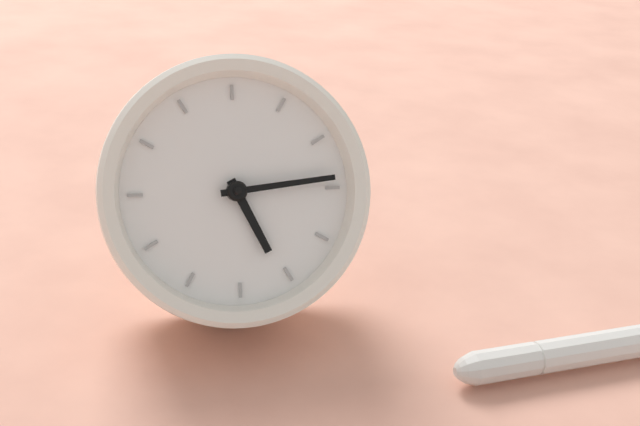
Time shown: **4:09**
